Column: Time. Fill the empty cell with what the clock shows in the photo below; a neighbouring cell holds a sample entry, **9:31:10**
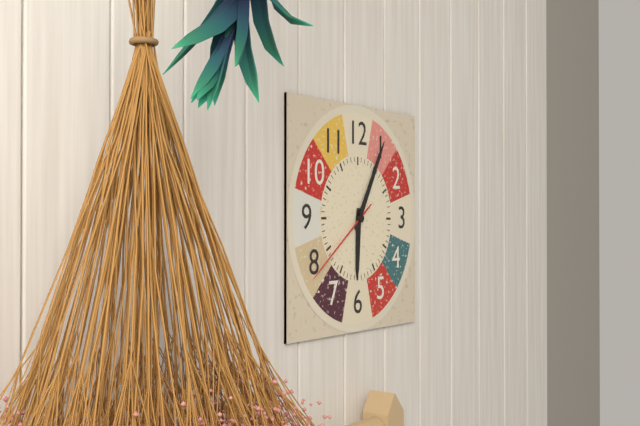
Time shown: **6:05:39**
